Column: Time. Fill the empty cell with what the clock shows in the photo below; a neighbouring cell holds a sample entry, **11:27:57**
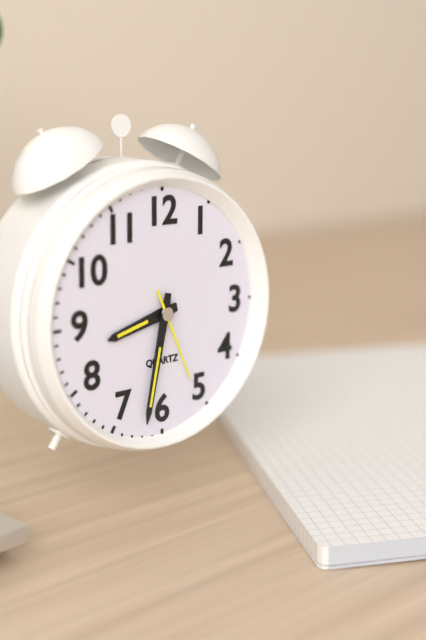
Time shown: **8:32:26**
